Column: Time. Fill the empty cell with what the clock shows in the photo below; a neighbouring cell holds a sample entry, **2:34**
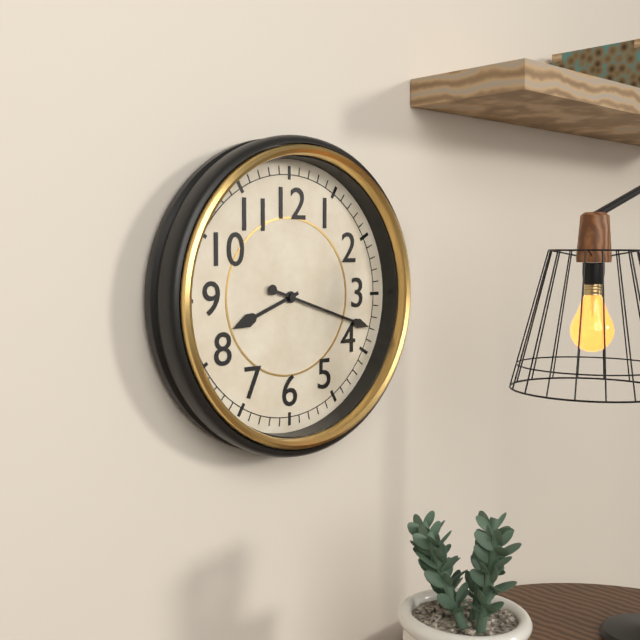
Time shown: **8:18**
